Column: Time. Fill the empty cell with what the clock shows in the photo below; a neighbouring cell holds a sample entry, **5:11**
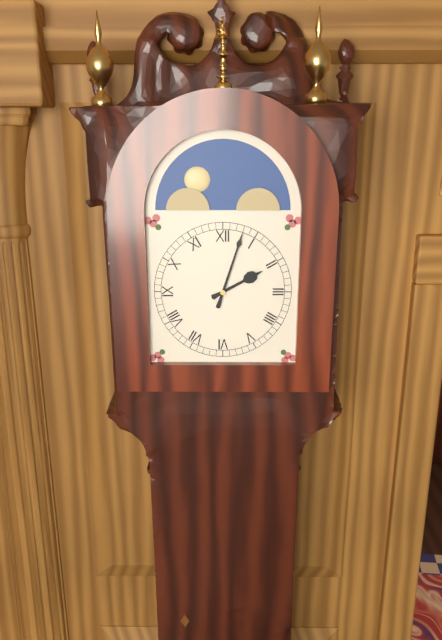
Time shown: **2:03**
